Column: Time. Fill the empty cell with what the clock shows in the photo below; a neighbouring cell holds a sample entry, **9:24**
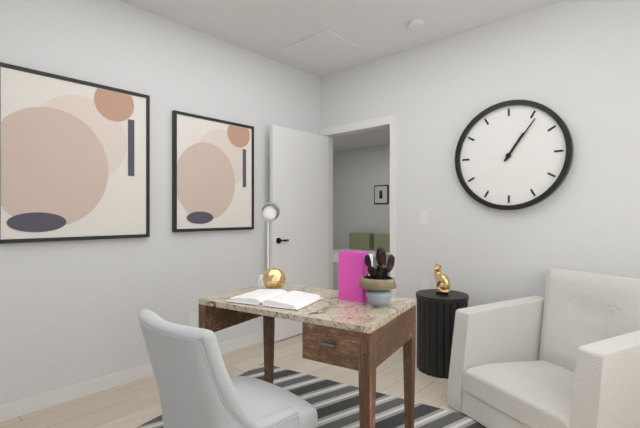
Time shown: **1:06**
